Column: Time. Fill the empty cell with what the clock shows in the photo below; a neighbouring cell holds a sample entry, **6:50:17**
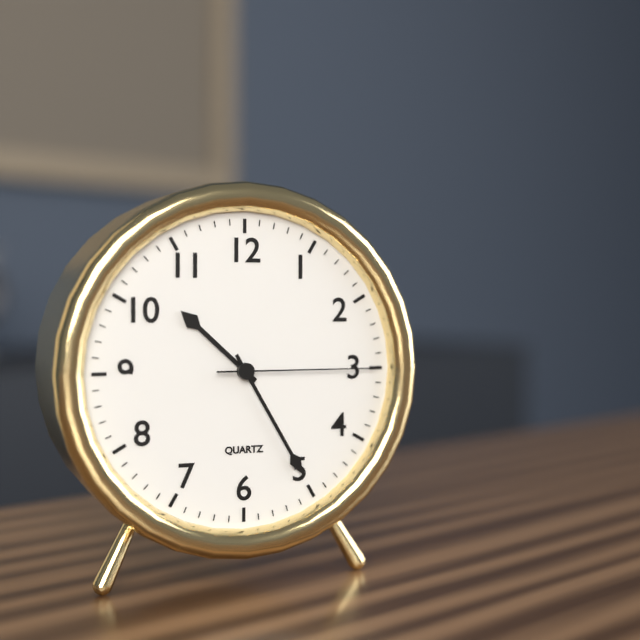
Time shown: **10:25:15**
